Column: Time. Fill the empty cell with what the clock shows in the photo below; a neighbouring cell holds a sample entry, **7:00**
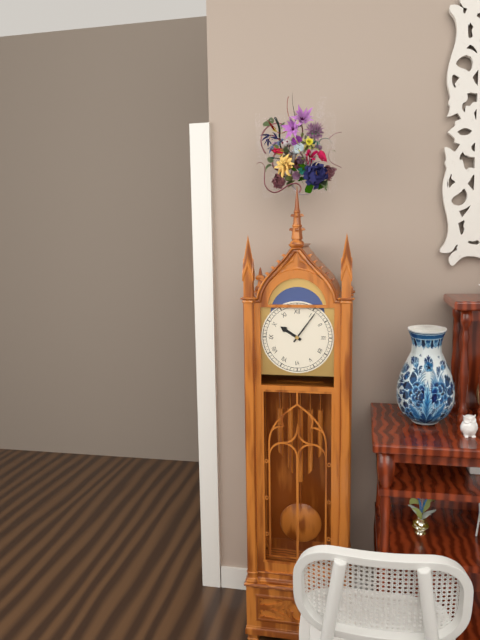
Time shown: **10:06**
